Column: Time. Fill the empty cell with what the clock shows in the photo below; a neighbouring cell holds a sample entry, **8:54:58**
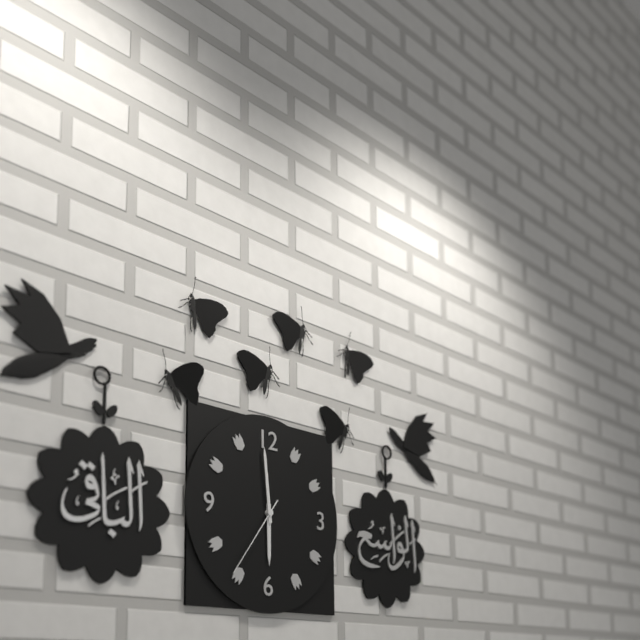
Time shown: **5:59:36**
